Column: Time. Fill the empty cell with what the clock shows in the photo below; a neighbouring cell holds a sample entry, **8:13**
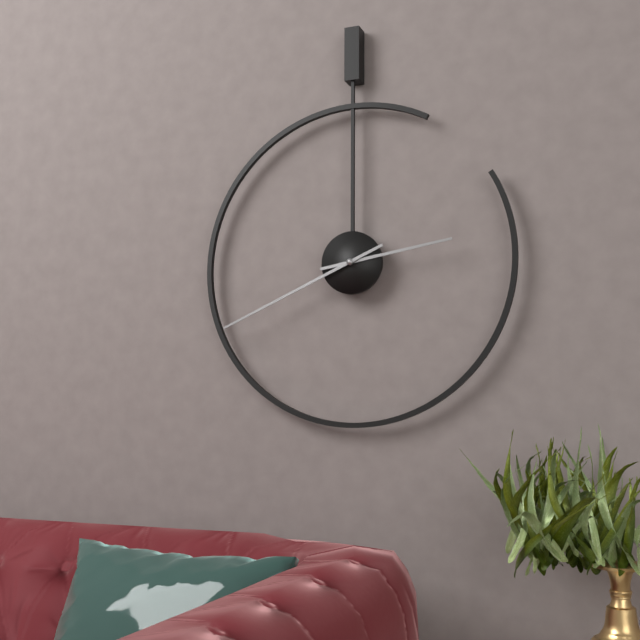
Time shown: **2:41**
